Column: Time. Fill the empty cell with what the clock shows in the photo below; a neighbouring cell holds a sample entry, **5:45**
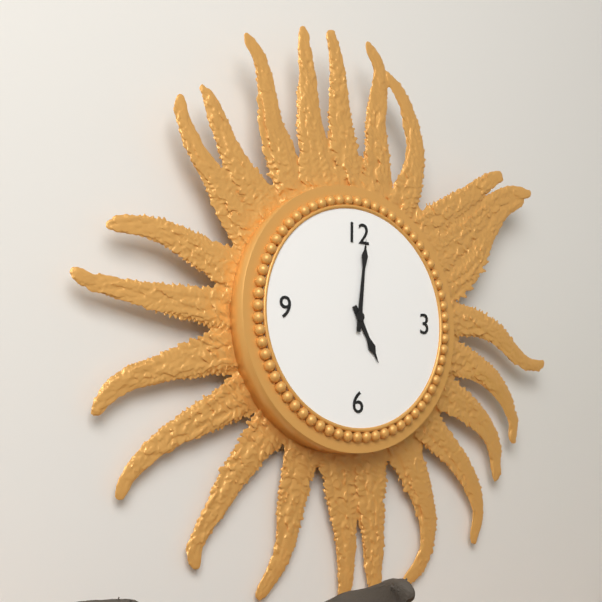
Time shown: **5:01**
